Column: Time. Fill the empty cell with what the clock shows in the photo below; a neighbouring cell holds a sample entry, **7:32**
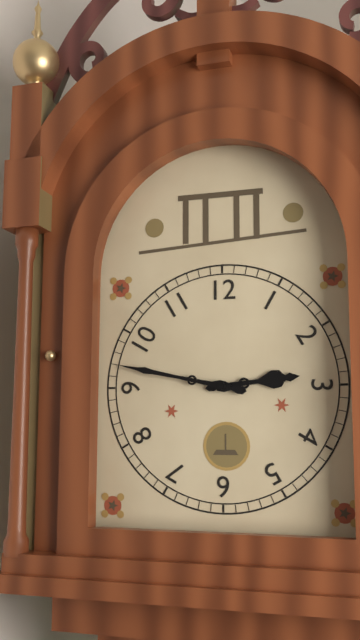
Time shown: **2:47**
